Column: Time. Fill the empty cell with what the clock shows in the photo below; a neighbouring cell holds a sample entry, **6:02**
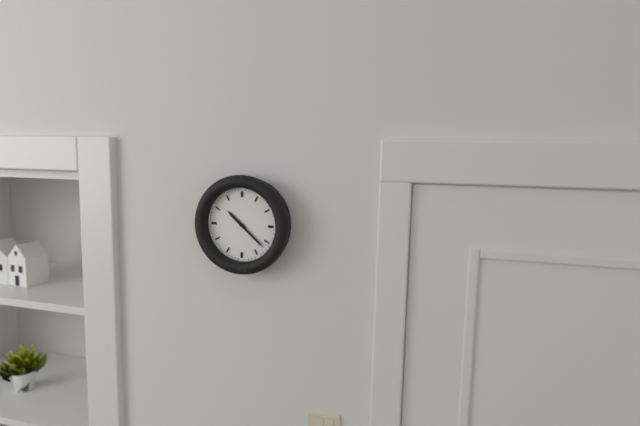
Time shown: **10:22**
